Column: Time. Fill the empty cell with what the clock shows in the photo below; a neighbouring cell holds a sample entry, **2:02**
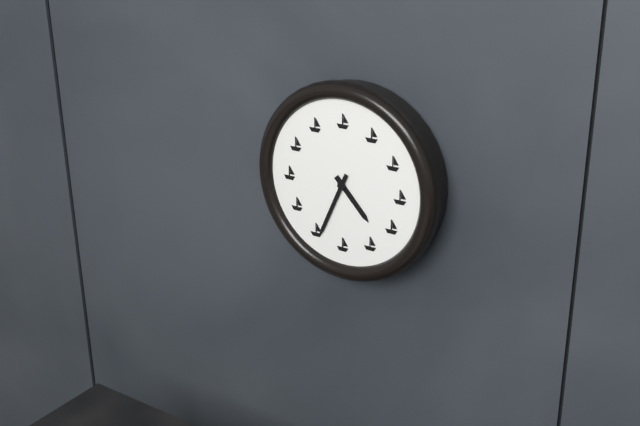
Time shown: **4:34**
